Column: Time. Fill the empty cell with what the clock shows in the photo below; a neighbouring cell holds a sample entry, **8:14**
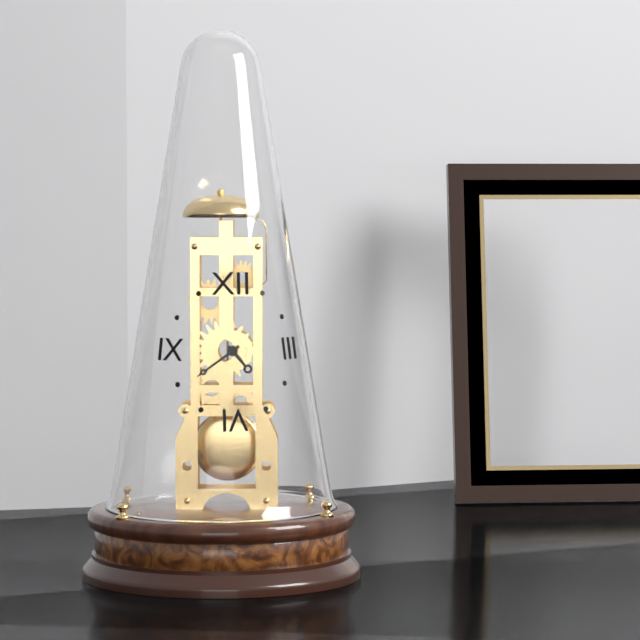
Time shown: **4:39**
